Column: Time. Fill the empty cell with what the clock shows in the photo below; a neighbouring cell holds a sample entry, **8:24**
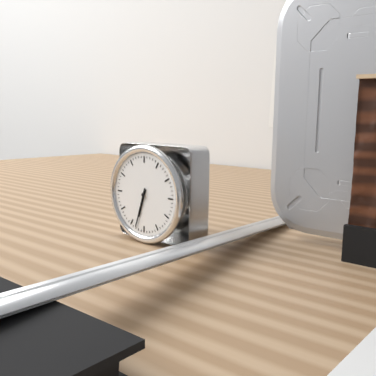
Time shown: **6:33**
